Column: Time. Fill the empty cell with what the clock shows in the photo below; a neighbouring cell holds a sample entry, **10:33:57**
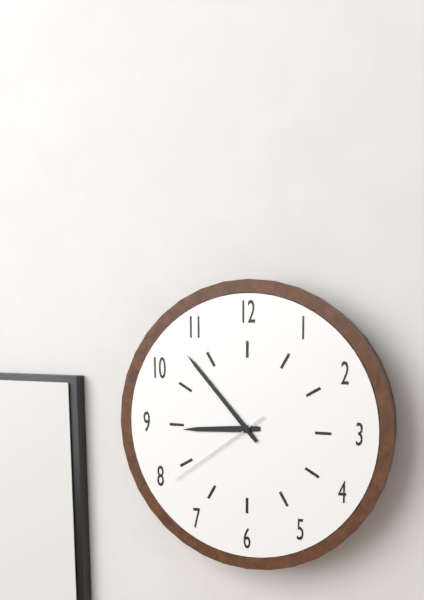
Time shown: **8:53:39**
